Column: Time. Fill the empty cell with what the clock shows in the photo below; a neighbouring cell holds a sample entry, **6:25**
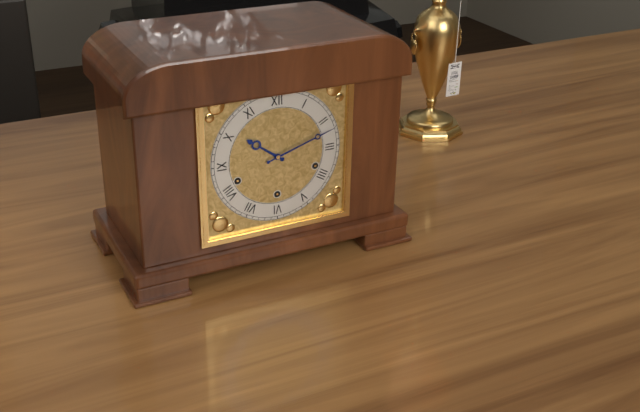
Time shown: **10:12**
